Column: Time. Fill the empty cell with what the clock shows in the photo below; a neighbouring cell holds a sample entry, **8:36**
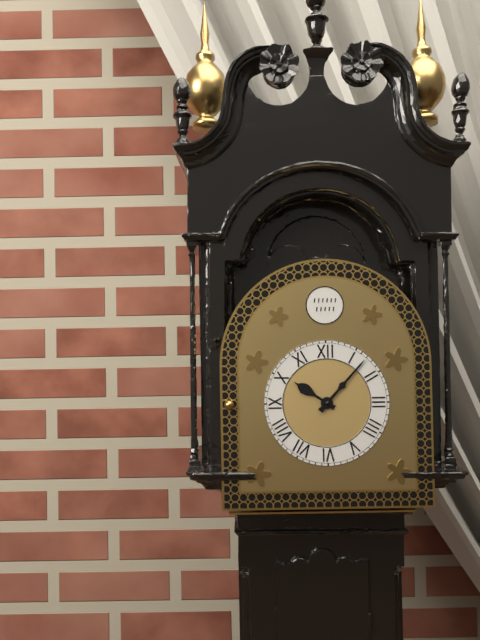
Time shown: **10:07**
